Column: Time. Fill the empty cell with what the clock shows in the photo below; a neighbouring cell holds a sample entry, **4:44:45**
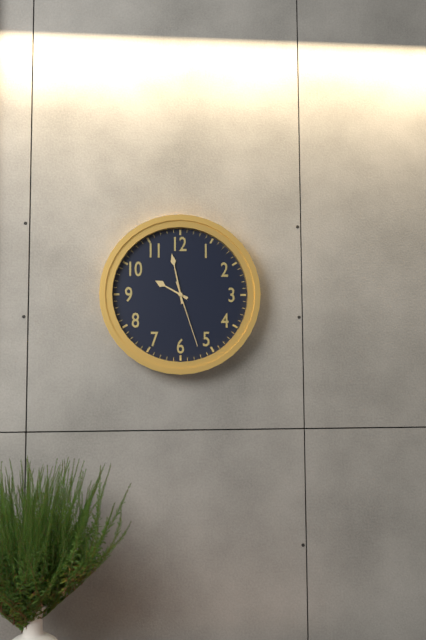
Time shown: **9:58:27**
